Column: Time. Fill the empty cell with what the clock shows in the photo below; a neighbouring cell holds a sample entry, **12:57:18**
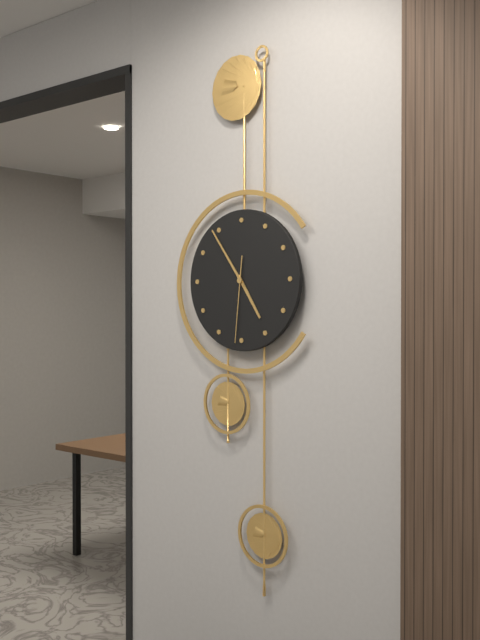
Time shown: **4:54:31**
